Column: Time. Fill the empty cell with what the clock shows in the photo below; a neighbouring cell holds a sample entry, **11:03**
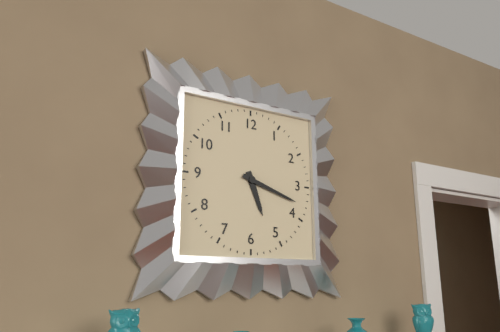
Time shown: **5:18**
